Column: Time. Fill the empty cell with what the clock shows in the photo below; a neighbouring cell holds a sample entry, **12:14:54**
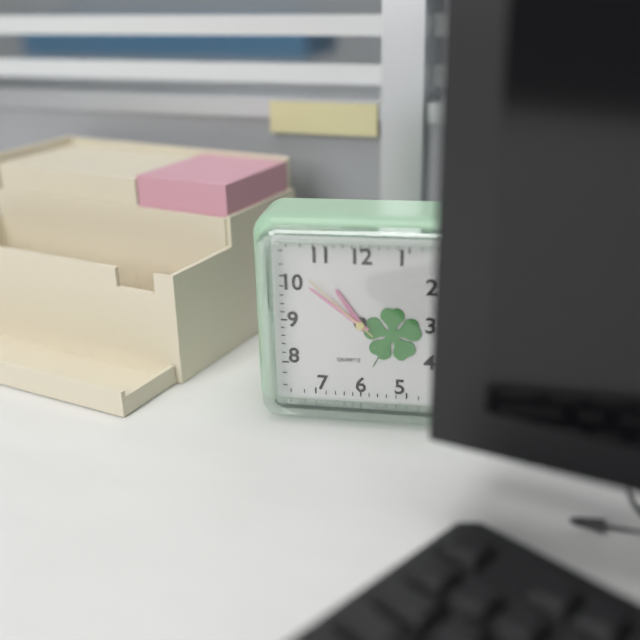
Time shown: **10:51:52**
